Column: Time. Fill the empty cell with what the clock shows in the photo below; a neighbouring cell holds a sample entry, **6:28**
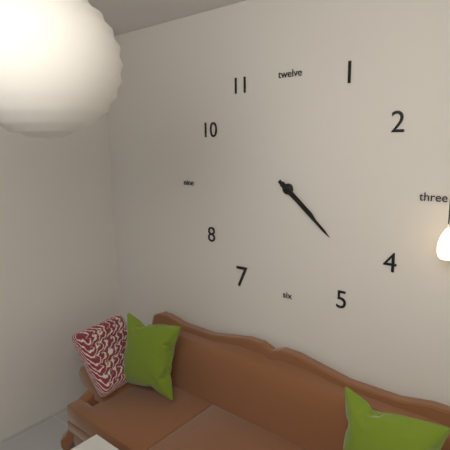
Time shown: **4:22**
